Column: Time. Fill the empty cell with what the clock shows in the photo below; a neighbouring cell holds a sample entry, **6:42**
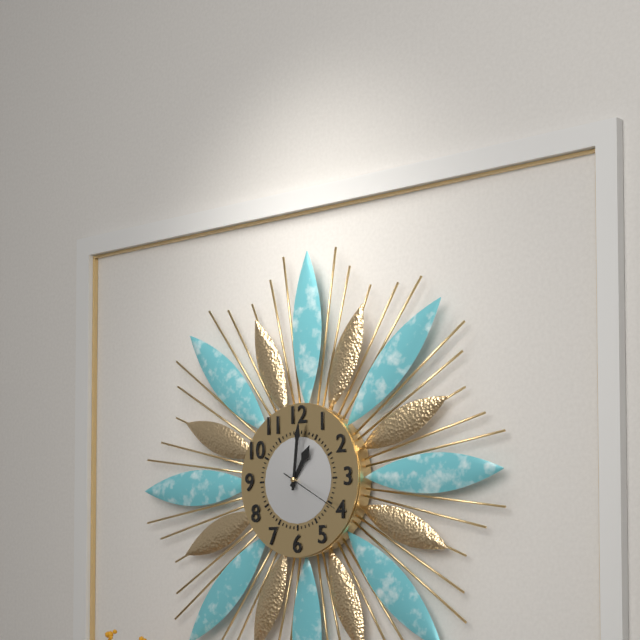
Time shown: **1:01**
